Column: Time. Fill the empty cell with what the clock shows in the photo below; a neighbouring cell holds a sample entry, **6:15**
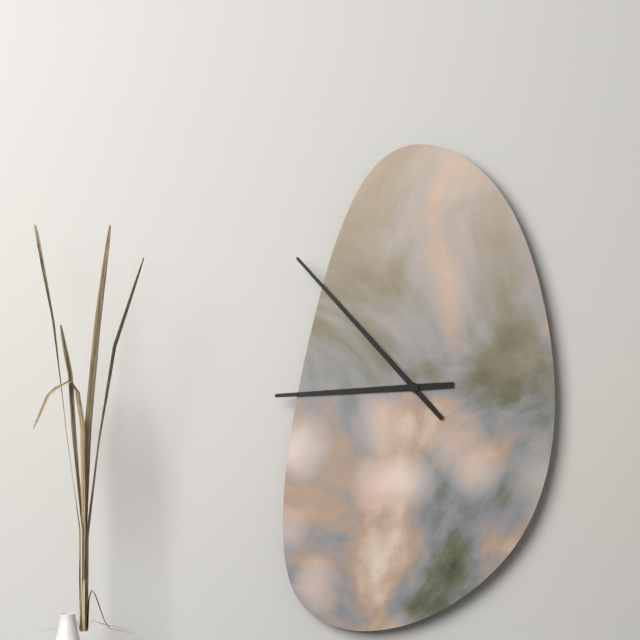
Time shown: **8:53**
